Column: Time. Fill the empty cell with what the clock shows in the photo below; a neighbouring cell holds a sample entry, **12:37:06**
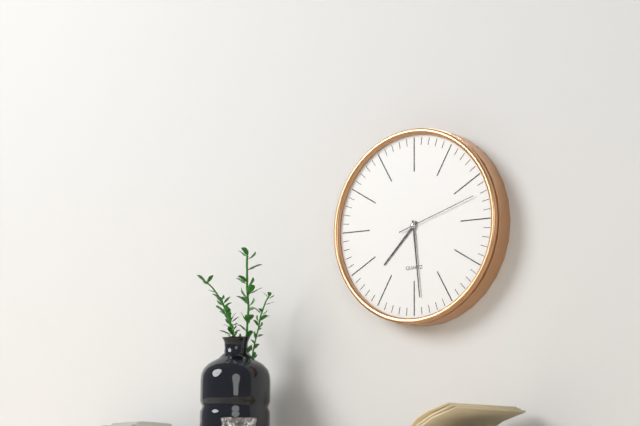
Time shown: **7:29:12**
